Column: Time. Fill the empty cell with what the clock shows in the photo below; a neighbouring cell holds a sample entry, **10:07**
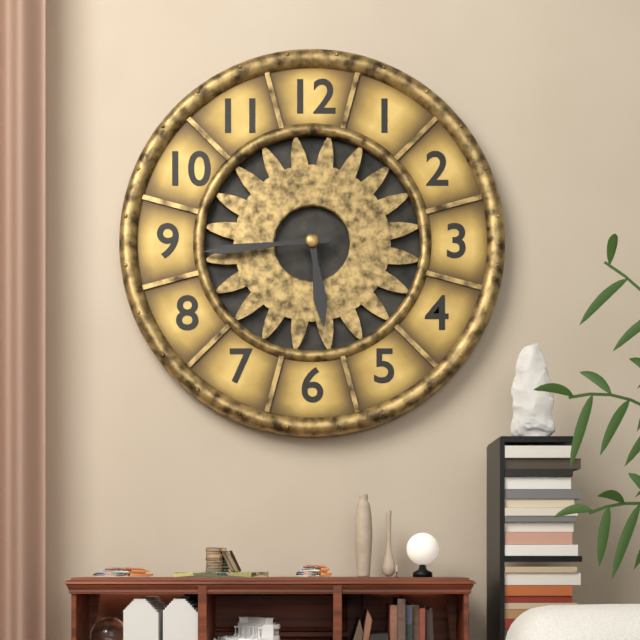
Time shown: **5:44**
